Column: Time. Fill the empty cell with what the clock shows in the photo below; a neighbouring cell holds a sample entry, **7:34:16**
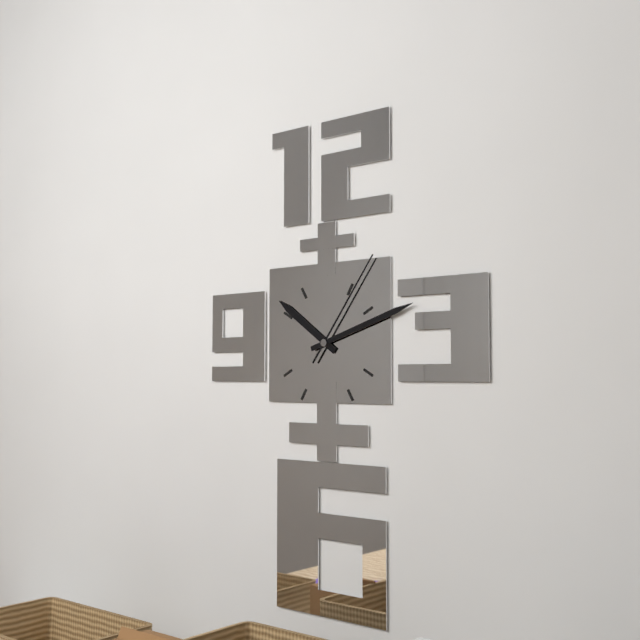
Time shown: **10:12:06**
